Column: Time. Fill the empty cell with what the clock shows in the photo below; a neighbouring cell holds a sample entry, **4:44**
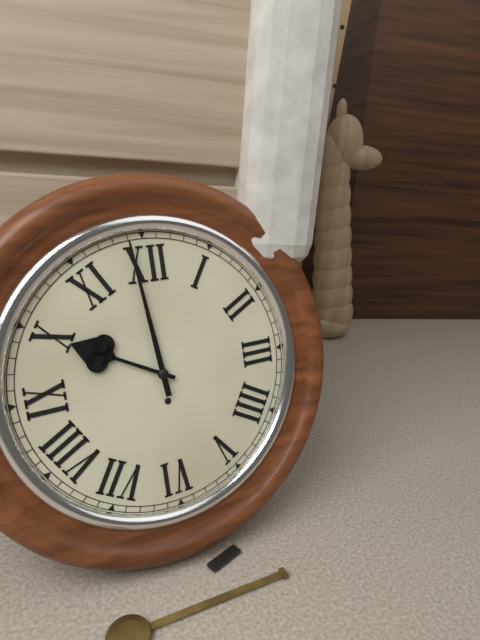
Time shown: **9:59**
